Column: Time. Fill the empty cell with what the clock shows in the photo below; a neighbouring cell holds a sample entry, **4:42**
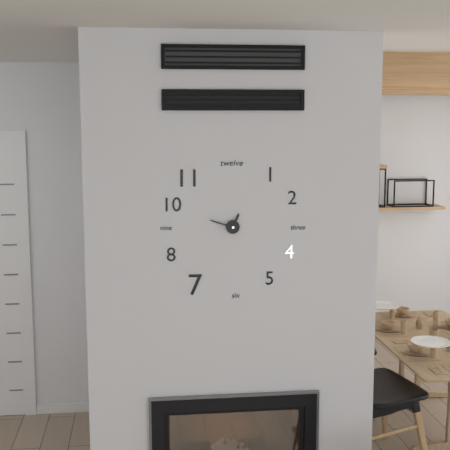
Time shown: **12:48**
